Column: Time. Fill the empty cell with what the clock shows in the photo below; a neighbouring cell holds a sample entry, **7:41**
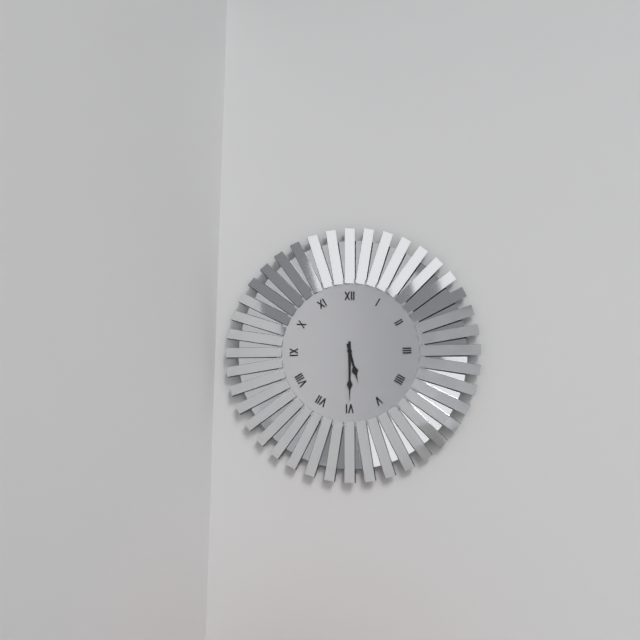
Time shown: **5:30**
